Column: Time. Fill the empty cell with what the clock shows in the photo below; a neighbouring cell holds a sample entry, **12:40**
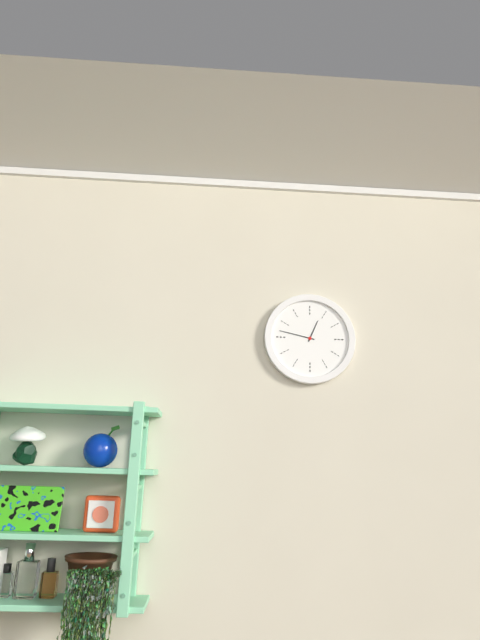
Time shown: **12:47**
